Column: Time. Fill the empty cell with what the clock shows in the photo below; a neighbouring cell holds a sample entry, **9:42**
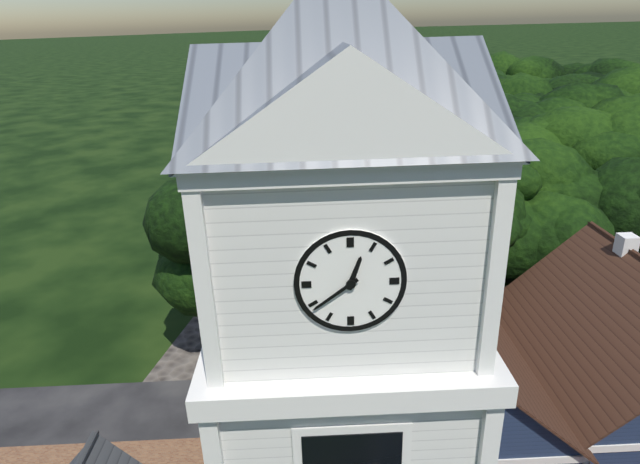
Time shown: **12:39**
